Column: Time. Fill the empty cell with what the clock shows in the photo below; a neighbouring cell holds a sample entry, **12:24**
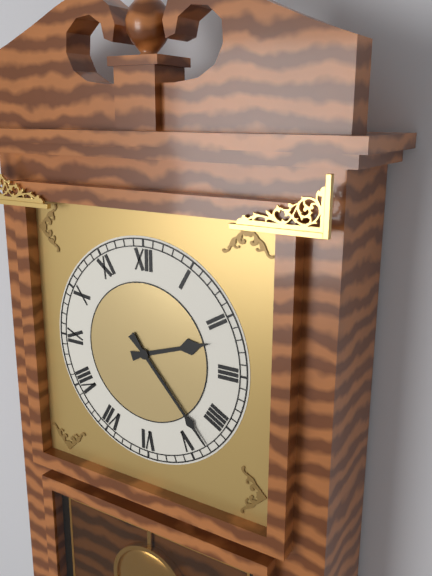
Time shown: **2:23**
